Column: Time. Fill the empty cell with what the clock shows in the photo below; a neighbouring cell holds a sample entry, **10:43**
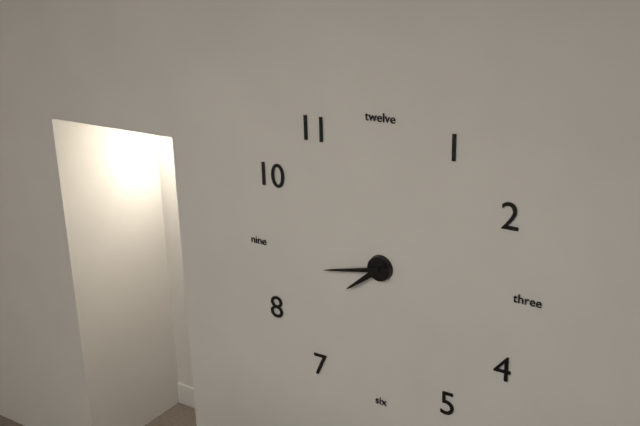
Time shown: **7:43**
